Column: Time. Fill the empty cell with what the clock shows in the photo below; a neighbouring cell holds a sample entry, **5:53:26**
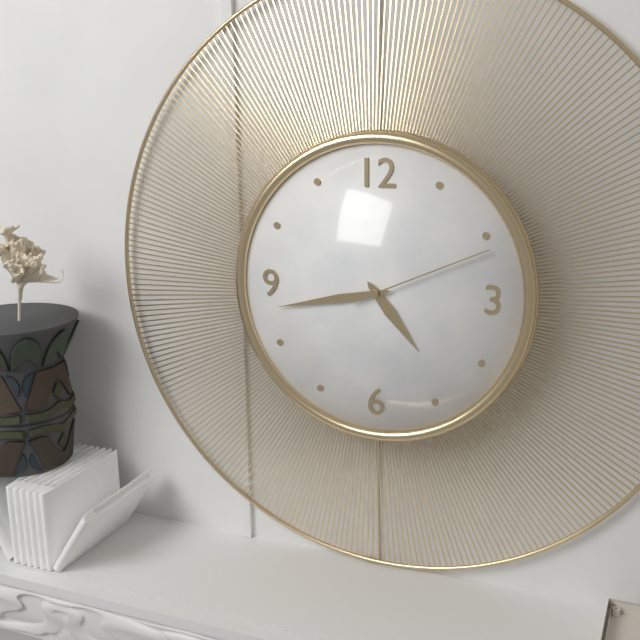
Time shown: **4:43:11**
